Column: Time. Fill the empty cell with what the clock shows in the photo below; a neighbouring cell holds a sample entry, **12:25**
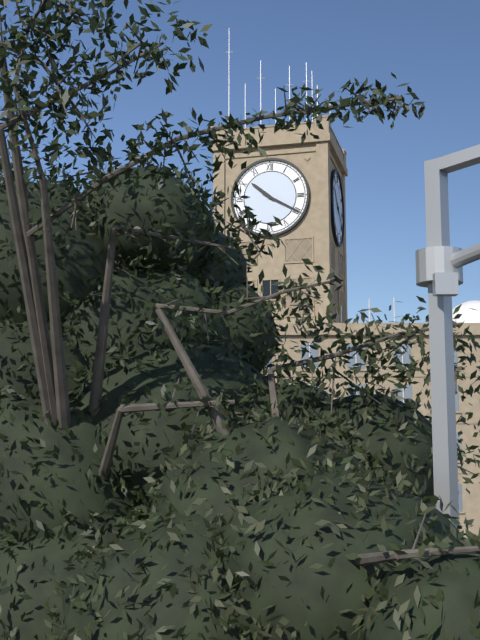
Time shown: **10:20**
